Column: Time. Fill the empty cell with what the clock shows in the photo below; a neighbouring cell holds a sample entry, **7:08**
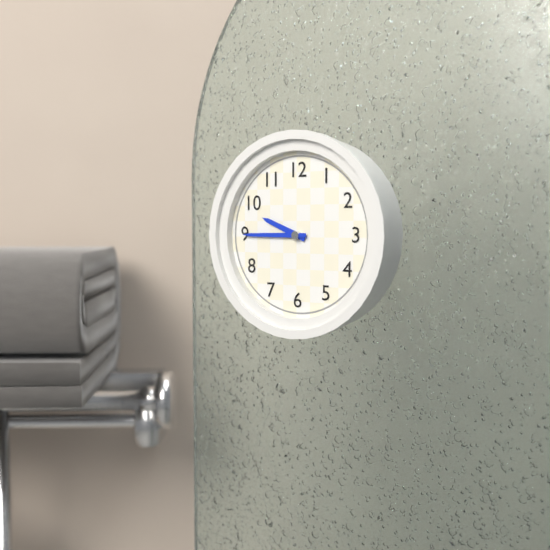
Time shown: **9:45**
